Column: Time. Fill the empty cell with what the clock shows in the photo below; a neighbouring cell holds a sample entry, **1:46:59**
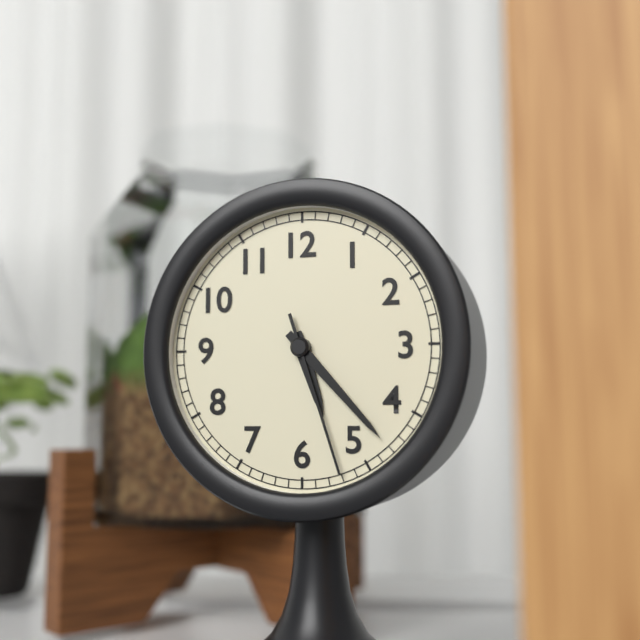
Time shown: **5:23:27**
